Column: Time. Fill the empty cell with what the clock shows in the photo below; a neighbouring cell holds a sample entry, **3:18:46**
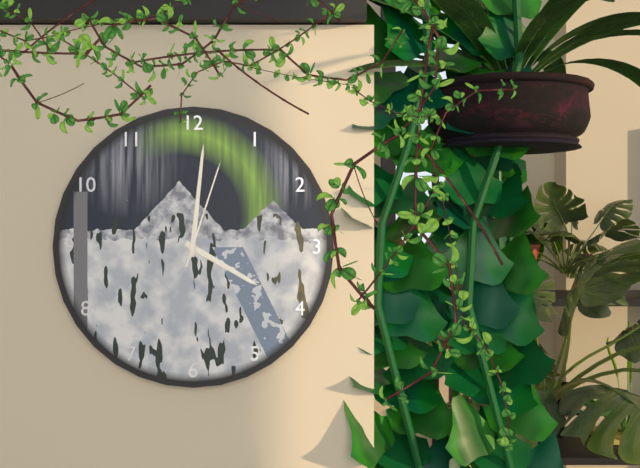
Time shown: **4:01:03**
